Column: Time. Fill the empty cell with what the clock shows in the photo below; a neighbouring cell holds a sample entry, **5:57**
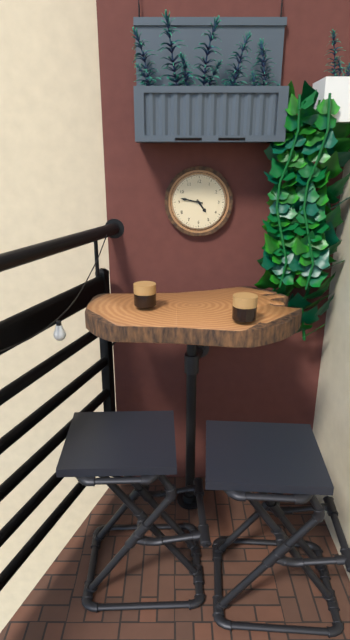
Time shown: **4:47**
